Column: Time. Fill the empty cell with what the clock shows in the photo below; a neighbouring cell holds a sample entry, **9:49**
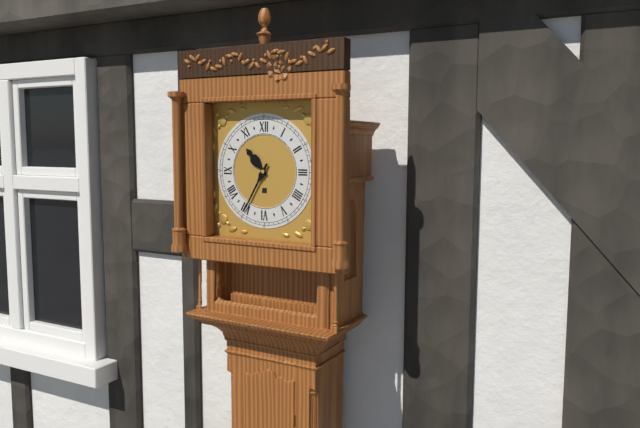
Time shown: **10:35**
